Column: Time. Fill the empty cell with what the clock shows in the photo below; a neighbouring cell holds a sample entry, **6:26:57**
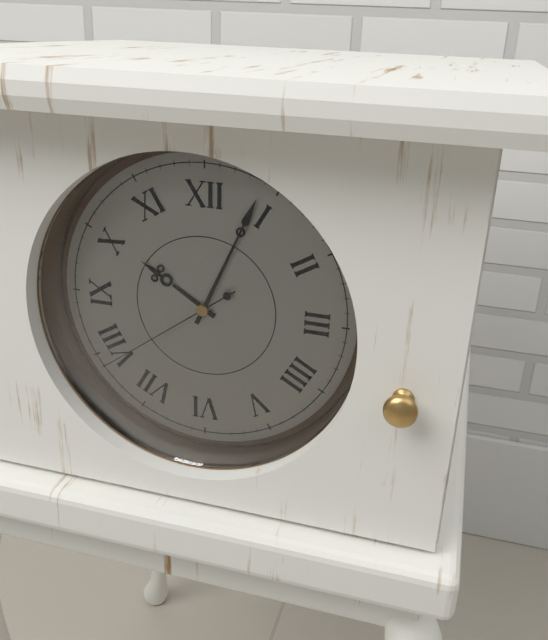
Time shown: **10:04:39**
